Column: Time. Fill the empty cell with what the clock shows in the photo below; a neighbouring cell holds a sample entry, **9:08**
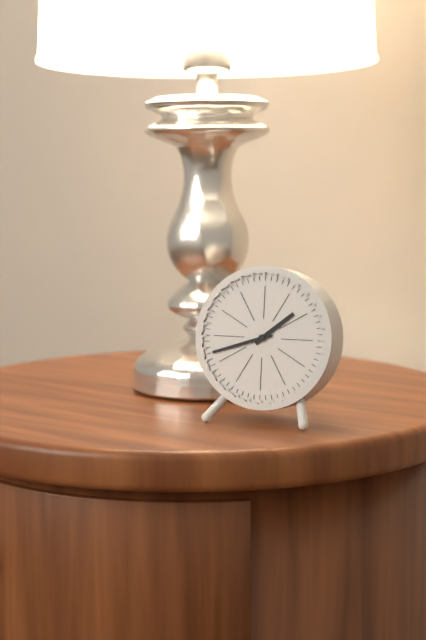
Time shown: **1:42**
